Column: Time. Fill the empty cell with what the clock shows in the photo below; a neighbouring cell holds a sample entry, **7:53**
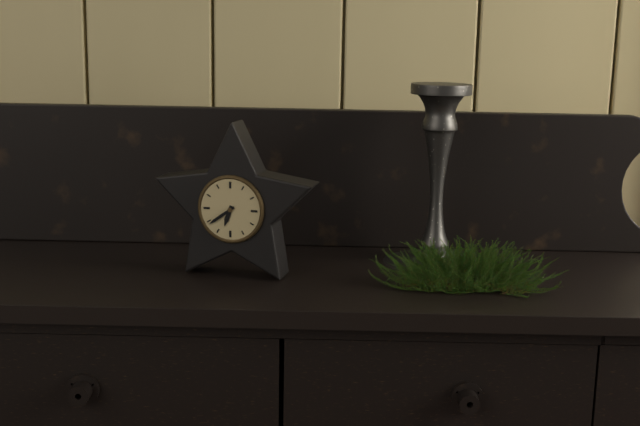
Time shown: **6:39**
